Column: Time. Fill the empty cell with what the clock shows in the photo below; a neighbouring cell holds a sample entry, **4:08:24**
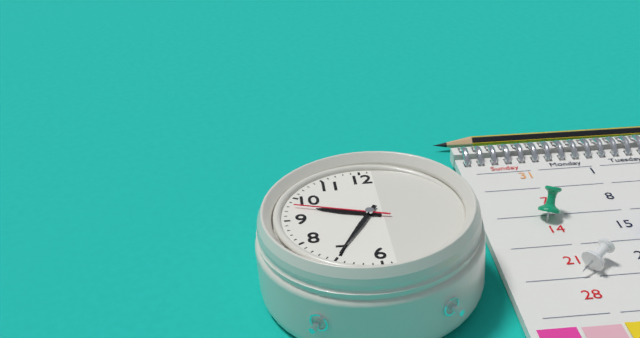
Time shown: **9:35:48**
